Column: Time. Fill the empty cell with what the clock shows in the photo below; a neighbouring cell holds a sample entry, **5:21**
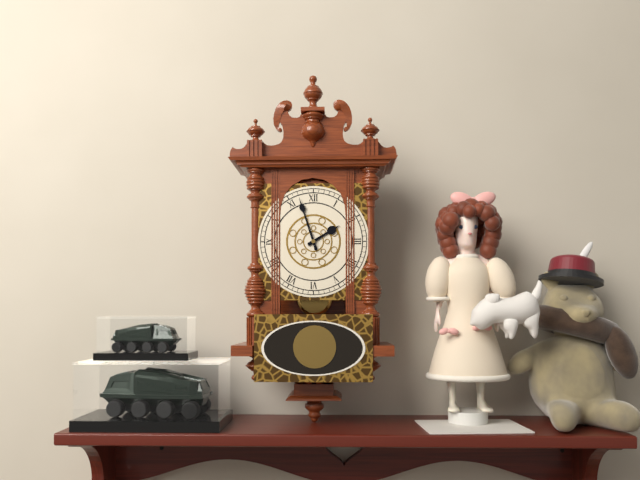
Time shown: **1:57**
